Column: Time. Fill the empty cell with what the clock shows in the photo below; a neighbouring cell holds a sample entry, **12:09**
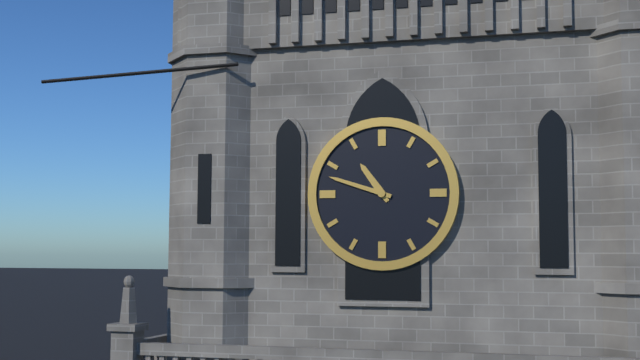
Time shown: **10:48**
